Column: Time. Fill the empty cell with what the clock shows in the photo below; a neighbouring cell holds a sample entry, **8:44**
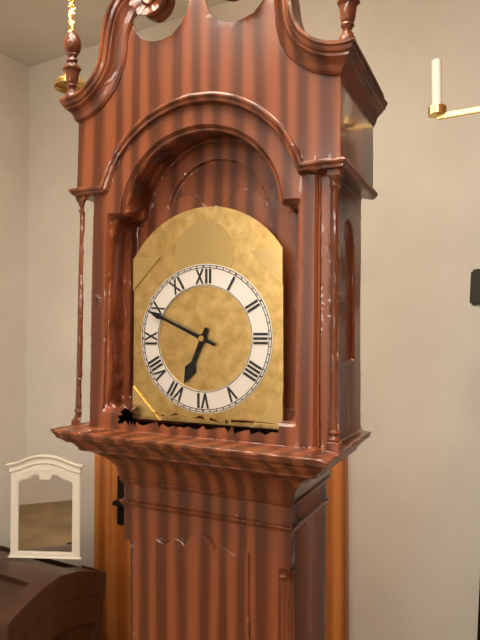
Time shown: **6:49**
